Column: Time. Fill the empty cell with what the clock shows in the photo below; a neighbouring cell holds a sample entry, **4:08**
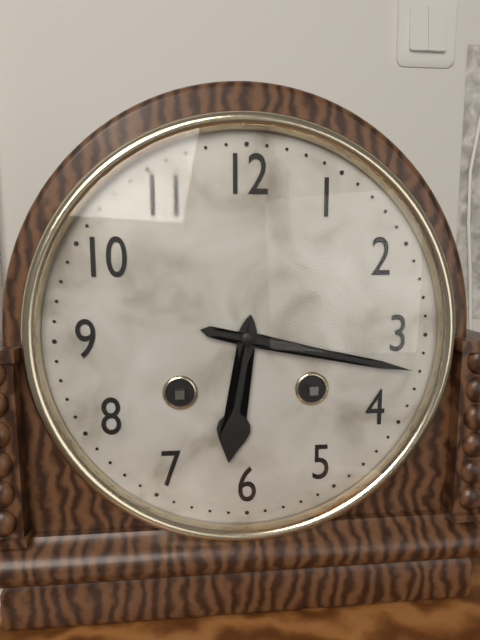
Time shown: **6:17**
